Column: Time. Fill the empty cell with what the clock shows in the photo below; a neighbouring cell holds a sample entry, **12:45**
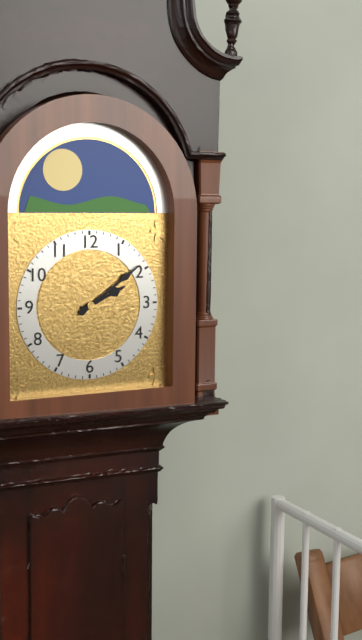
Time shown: **2:09**
